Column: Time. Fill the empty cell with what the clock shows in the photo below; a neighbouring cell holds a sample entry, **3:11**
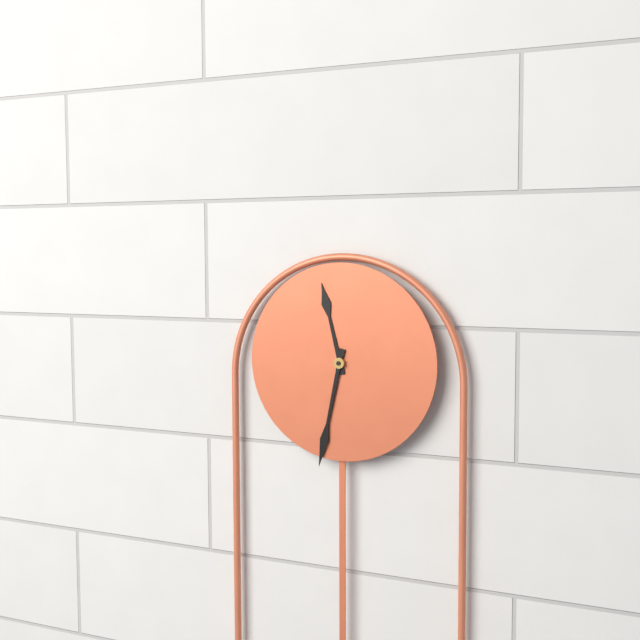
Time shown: **11:32**
